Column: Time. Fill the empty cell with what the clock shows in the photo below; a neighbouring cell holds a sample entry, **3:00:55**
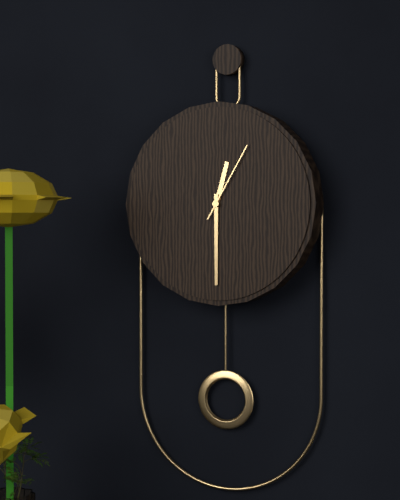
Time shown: **12:30:05**
